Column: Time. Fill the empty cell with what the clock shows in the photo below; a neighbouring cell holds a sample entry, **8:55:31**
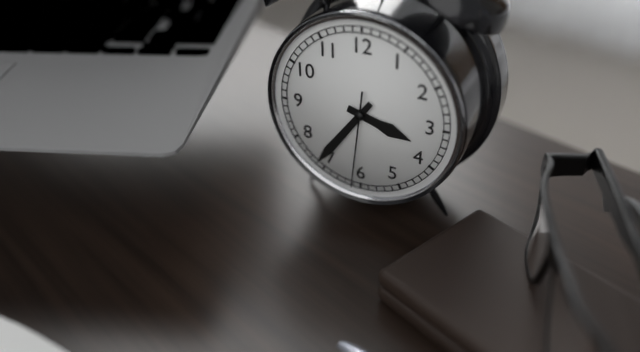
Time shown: **3:36:31**
